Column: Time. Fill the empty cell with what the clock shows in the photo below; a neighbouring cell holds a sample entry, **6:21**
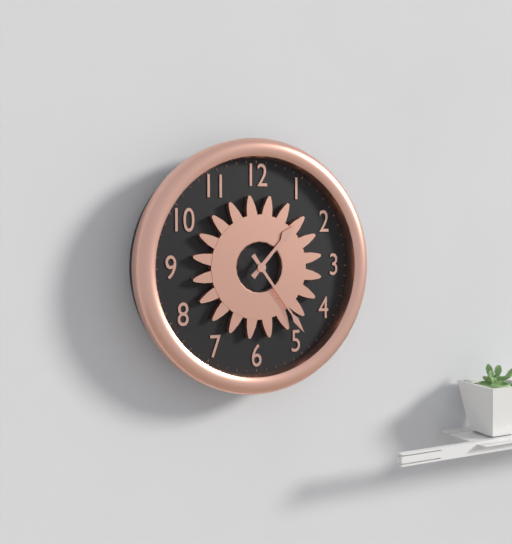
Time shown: **1:24**
